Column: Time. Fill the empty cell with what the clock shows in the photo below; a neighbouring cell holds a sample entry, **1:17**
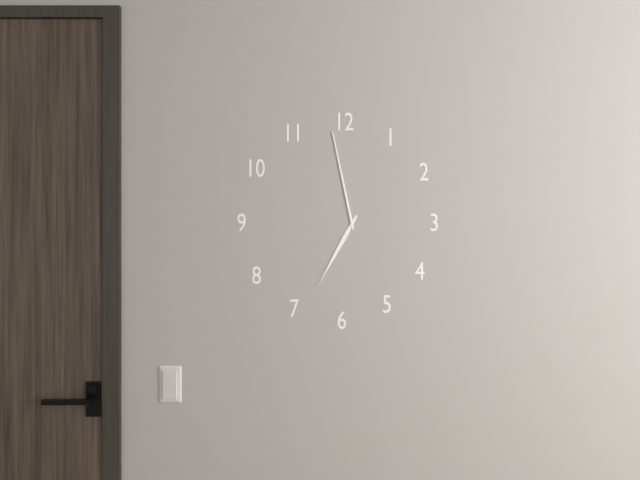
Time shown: **6:58**
